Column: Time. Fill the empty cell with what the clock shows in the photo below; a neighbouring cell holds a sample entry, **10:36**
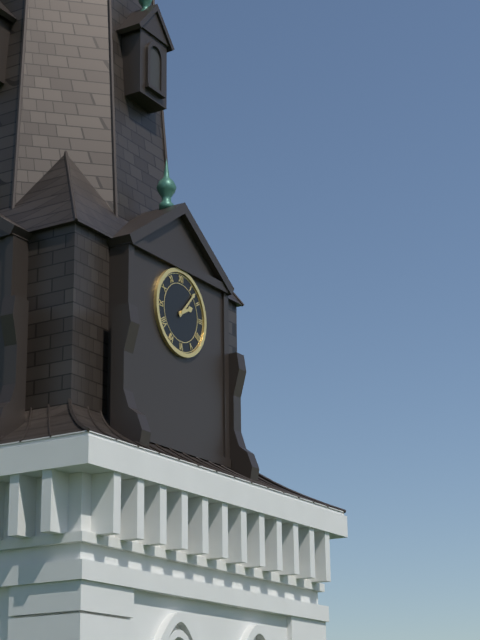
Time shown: **2:07**
